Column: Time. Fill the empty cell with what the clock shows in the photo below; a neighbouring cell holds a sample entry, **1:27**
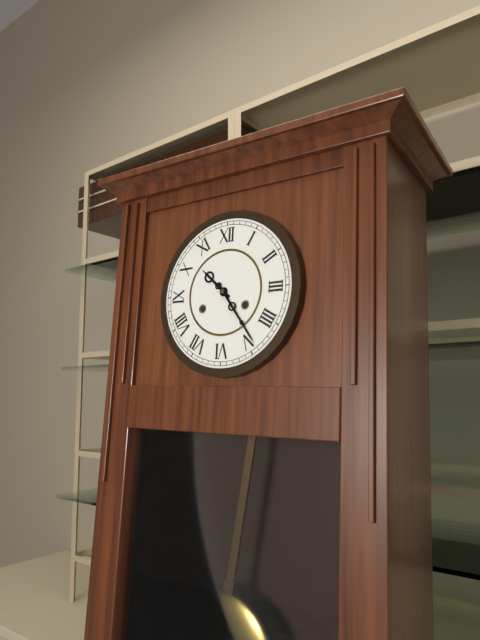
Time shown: **10:24**
